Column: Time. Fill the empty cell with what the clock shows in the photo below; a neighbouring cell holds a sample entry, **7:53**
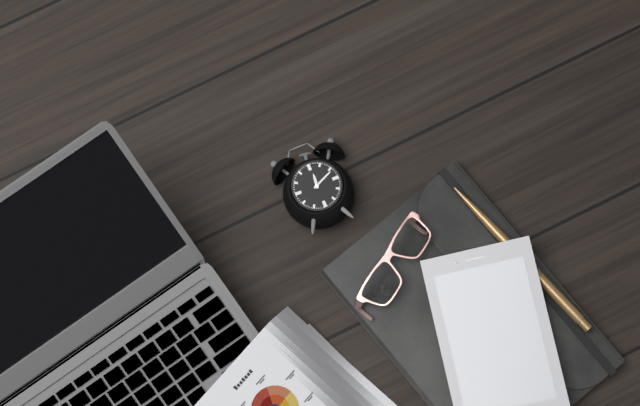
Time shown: **12:11**
